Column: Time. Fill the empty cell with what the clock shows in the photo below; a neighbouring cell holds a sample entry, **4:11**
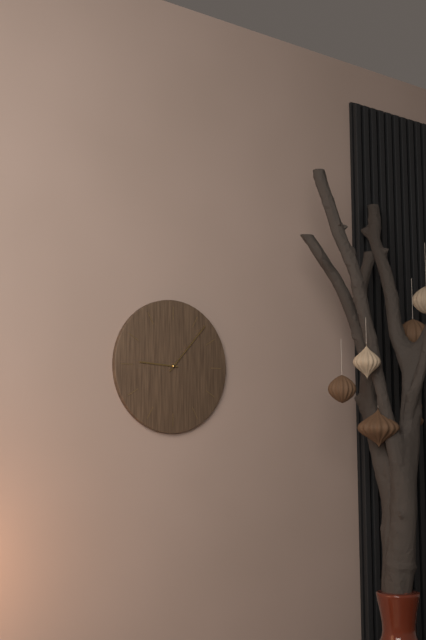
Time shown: **9:07**
